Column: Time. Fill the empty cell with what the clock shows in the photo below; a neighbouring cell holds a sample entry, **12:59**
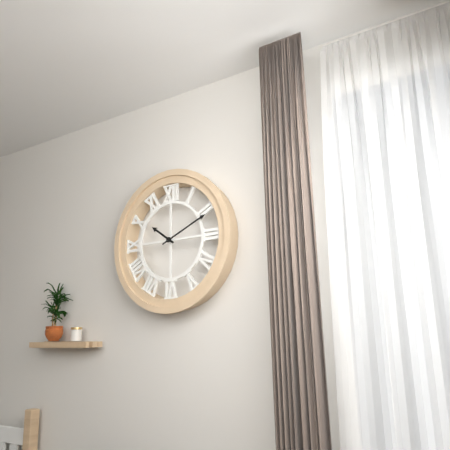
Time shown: **10:11**
